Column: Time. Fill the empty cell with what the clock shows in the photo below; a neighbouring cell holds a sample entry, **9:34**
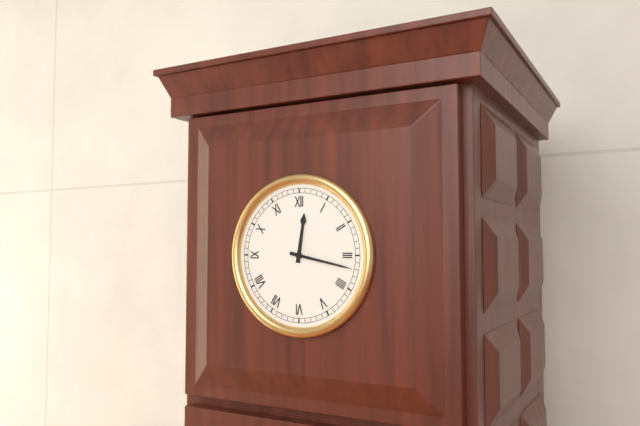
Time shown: **12:17**
